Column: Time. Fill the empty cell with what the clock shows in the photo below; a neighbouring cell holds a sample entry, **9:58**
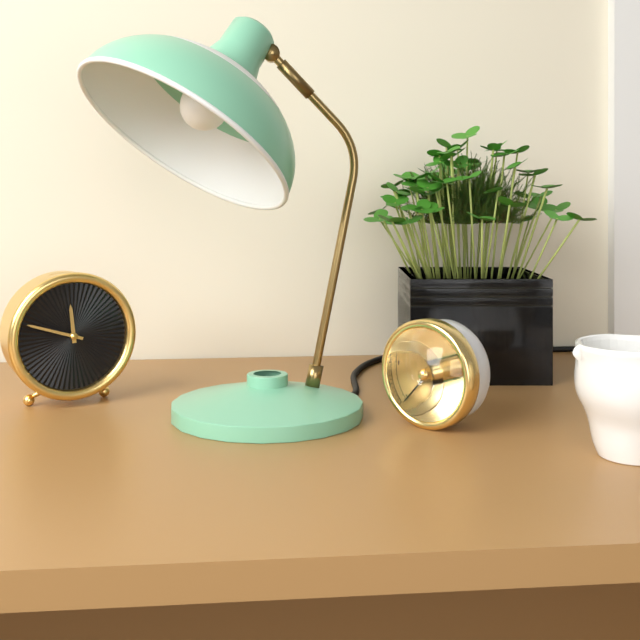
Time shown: **11:48**
